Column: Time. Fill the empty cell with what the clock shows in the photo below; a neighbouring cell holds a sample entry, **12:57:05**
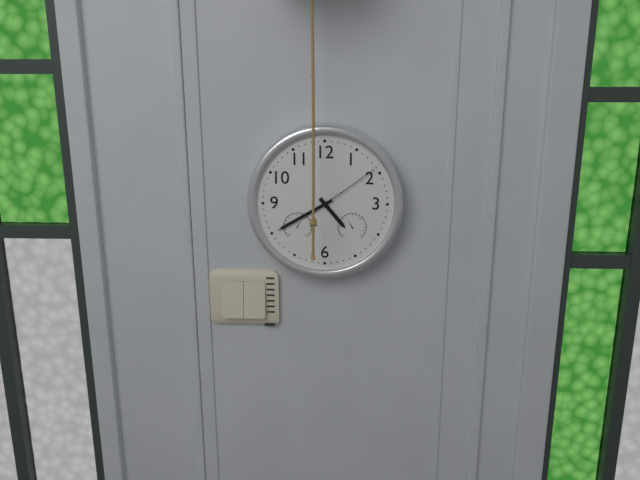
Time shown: **4:40:09**
